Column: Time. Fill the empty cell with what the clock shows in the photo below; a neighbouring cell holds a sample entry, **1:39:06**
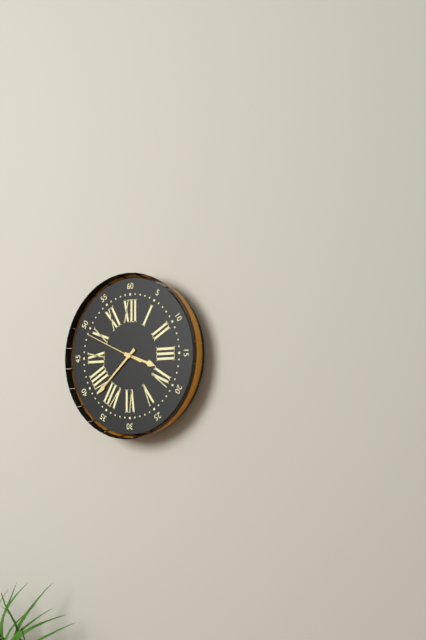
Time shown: **3:38:49**
